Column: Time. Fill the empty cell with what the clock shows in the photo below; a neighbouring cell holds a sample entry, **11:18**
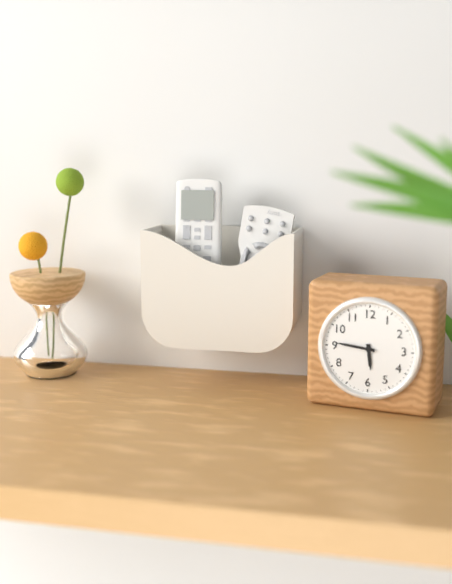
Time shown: **5:46**
